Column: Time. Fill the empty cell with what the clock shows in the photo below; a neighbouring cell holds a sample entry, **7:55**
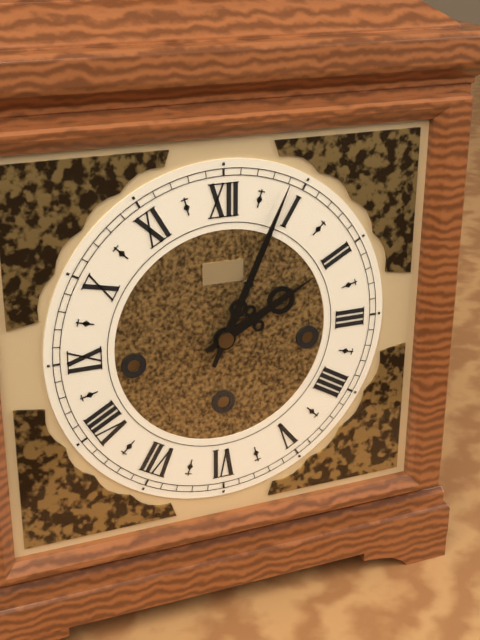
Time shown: **2:04**
